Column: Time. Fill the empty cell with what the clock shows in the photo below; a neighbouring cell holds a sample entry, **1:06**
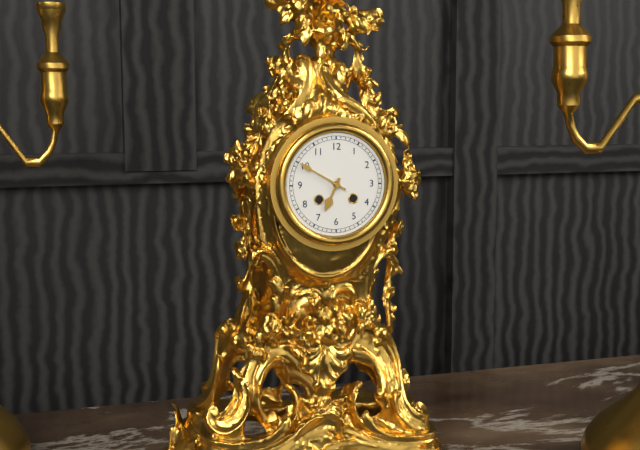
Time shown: **6:50**
